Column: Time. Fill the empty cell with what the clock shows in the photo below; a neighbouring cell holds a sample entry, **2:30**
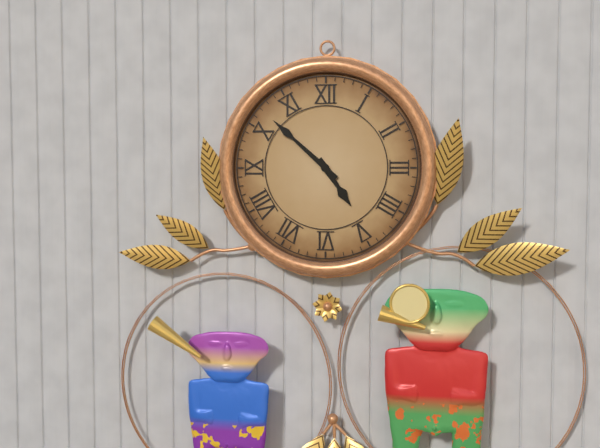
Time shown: **4:52**
